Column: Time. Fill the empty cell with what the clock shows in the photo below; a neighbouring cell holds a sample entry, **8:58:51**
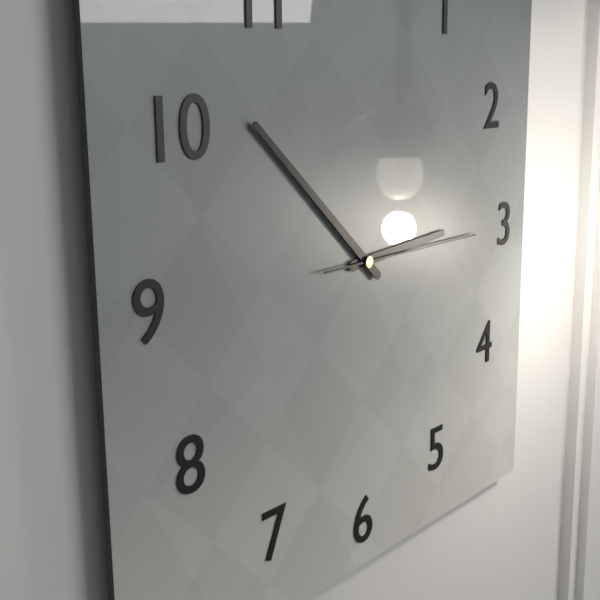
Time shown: **2:52:15**
